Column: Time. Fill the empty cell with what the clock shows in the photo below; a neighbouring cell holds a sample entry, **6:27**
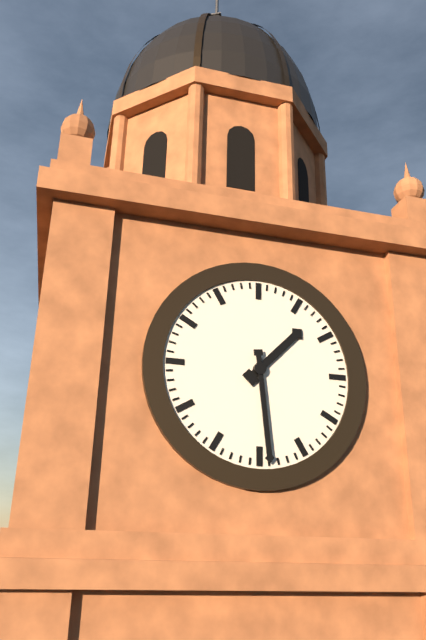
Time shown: **1:29**
